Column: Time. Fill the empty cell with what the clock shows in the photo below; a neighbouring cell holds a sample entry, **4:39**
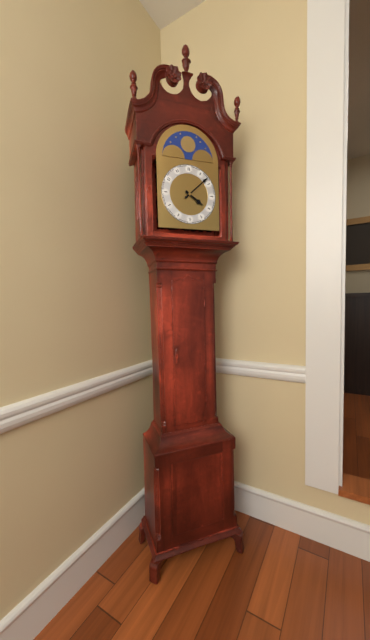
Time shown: **4:08**
